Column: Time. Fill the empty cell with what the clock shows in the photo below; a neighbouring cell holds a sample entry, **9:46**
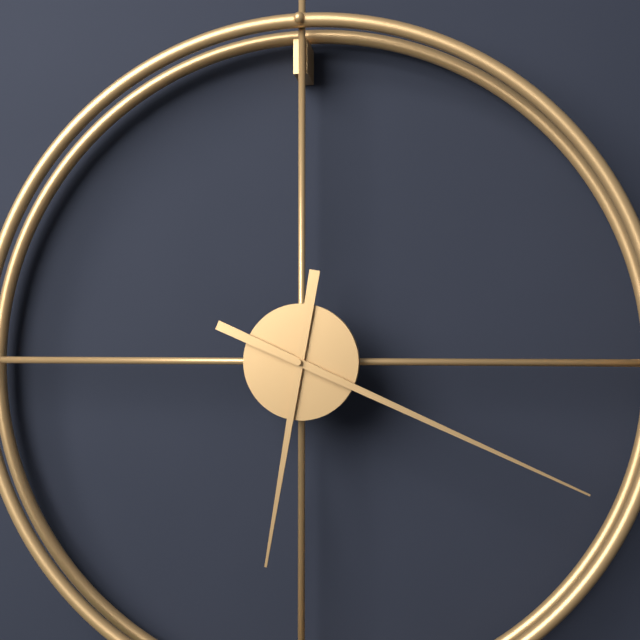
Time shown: **6:19**
